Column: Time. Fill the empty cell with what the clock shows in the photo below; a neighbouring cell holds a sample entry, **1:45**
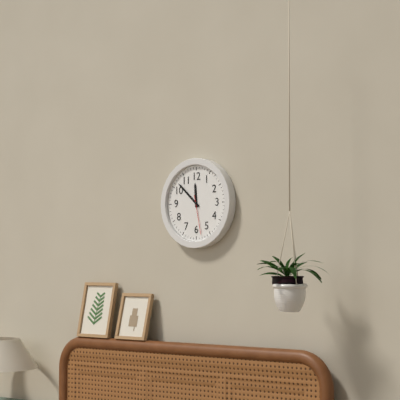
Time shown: **11:52**
